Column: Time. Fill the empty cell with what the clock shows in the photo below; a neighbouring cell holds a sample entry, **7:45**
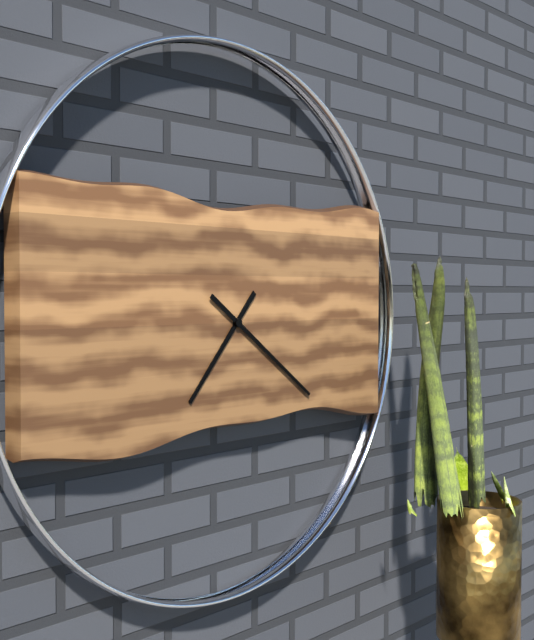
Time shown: **7:21**
